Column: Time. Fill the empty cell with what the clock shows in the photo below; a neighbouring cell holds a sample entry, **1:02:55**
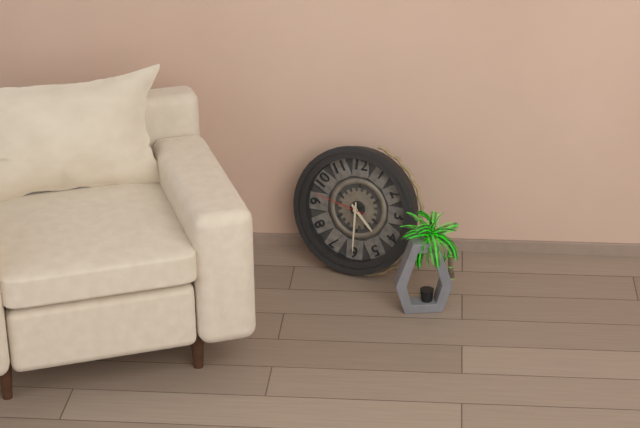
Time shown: **4:30:47**
